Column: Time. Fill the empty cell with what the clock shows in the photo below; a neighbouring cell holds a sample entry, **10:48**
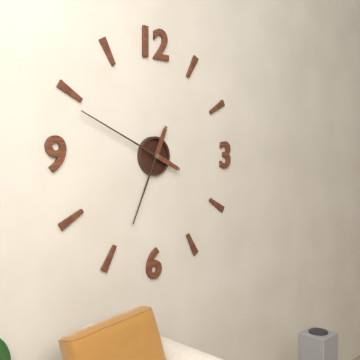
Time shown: **6:49**
